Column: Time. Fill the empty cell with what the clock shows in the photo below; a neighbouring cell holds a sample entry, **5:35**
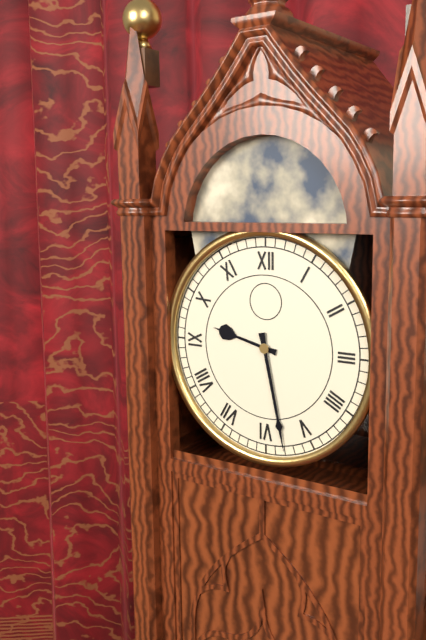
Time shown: **9:28**
